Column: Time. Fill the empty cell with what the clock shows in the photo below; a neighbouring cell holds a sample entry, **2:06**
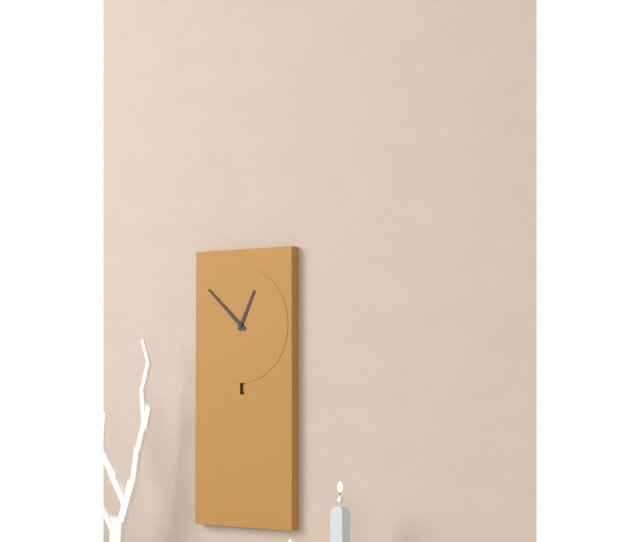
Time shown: **12:52**
